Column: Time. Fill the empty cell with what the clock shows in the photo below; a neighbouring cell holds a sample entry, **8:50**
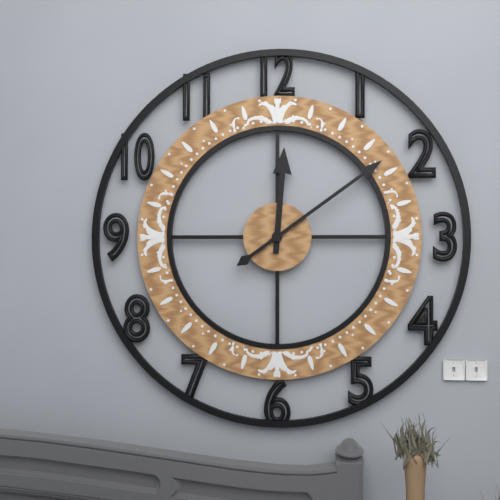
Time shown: **12:09**
